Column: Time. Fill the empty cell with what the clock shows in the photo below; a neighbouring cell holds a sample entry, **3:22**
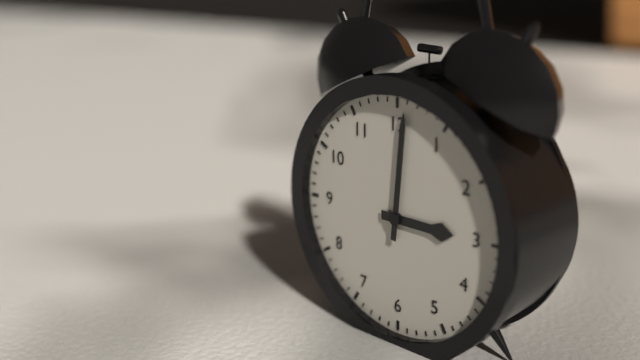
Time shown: **3:01**
